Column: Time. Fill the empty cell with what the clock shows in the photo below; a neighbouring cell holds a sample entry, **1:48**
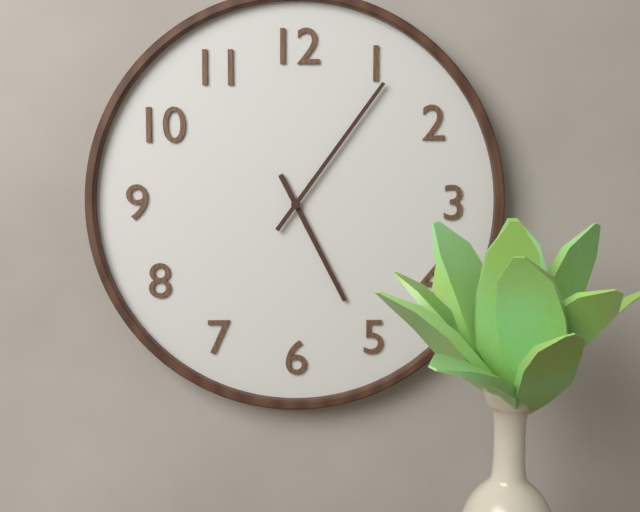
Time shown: **5:06**
